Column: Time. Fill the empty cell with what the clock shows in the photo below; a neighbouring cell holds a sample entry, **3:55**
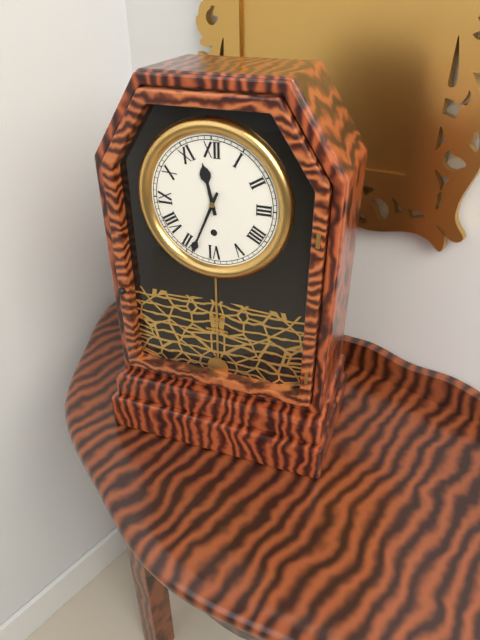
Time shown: **11:34**
